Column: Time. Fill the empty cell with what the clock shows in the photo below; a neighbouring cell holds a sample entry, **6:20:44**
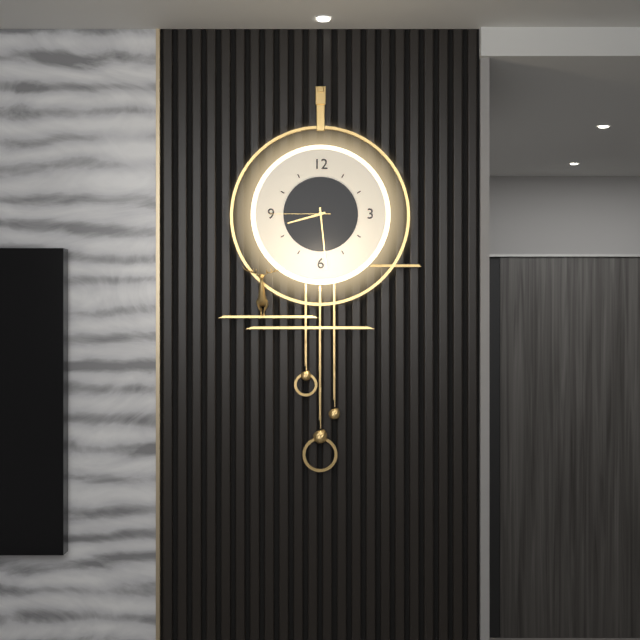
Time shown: **8:29:45**
